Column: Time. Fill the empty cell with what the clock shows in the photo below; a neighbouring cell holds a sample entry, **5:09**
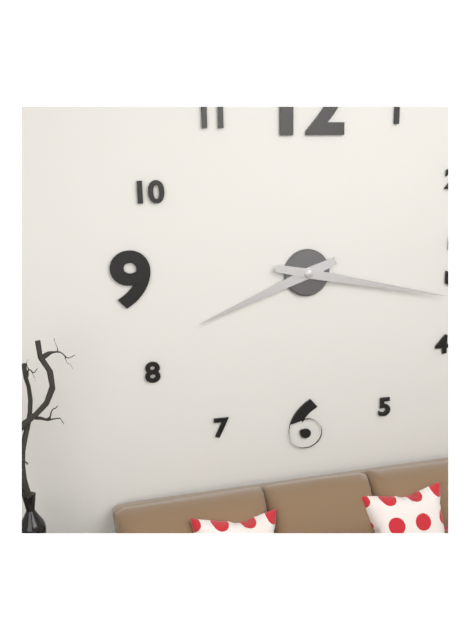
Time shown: **8:17**
